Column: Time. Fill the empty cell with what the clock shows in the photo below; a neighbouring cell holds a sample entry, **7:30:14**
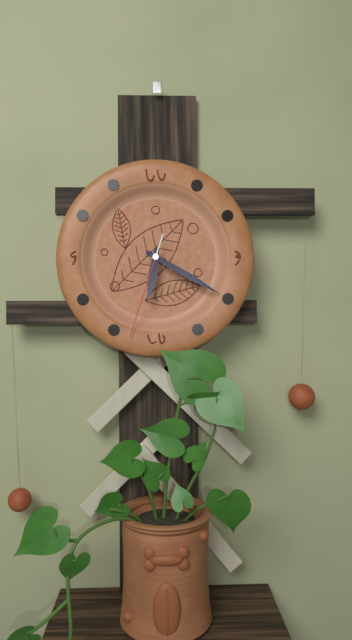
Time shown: **6:20:33**
